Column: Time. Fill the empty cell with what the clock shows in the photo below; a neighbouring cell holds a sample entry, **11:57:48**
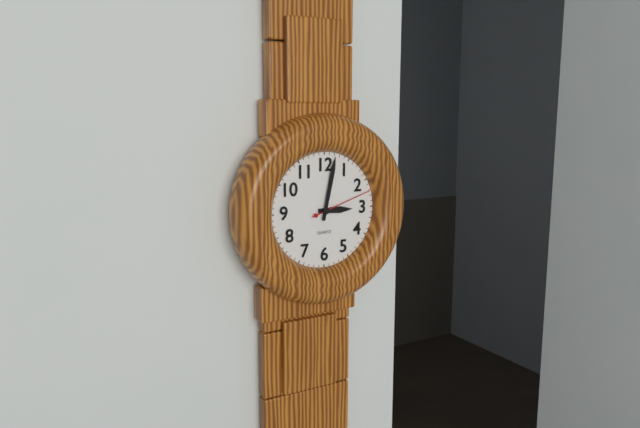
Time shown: **3:02:12**
